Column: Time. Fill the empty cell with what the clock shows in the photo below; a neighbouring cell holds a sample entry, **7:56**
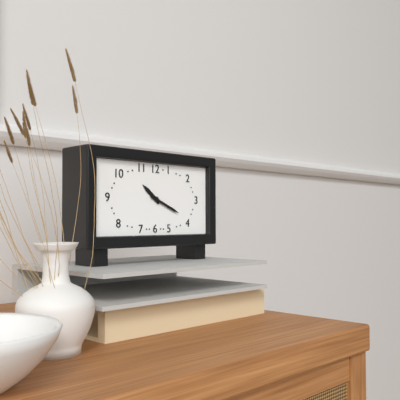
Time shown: **10:19**
